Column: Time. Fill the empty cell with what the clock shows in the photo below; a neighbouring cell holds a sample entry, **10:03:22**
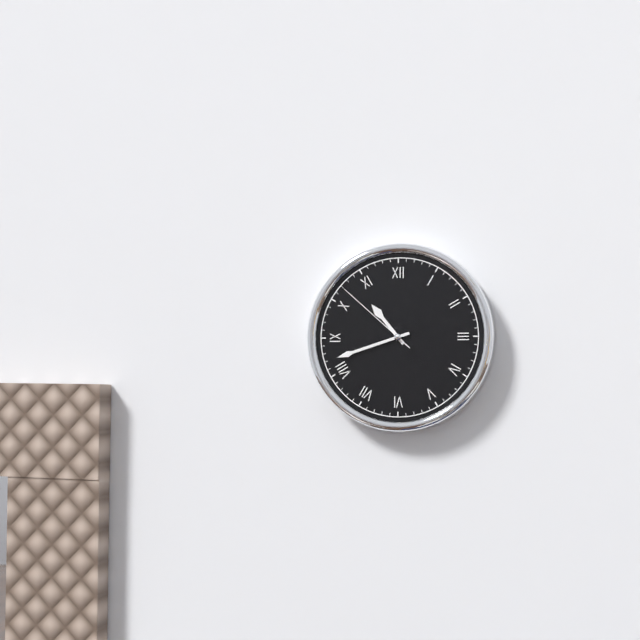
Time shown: **10:42:52**
